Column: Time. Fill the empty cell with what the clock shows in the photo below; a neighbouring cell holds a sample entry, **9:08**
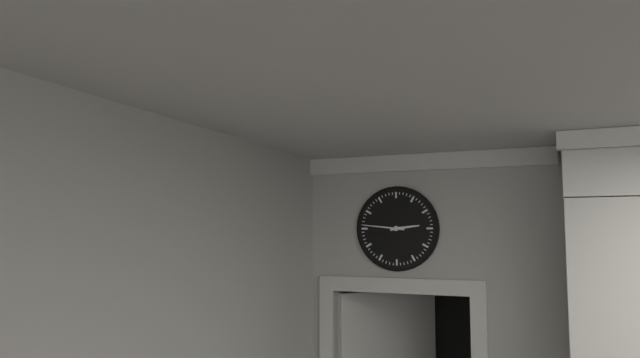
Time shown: **2:46**
